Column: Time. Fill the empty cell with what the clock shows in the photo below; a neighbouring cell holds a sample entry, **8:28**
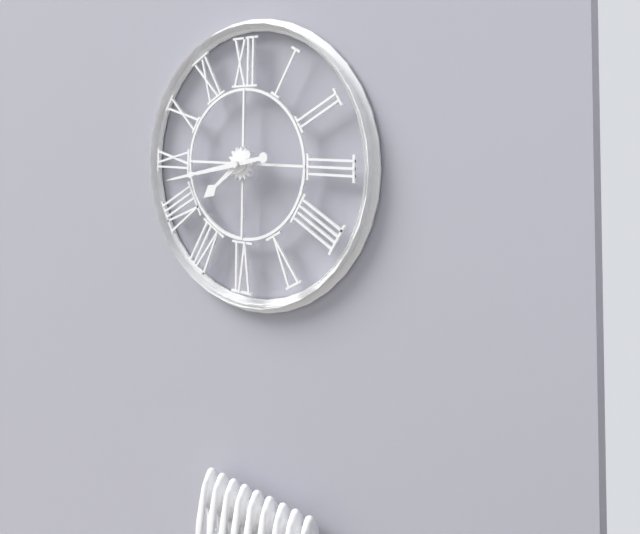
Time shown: **7:43**
